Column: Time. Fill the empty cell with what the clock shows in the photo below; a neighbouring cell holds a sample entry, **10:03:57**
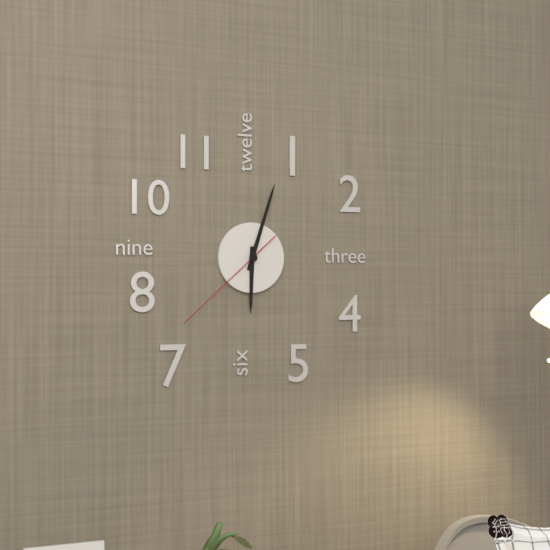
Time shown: **6:03:38**
